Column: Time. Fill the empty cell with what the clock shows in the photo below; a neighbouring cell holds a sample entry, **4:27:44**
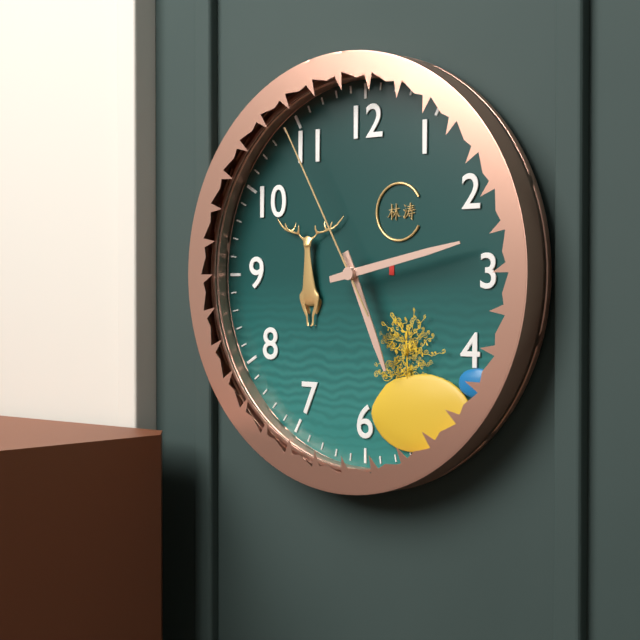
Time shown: **5:13:55**
